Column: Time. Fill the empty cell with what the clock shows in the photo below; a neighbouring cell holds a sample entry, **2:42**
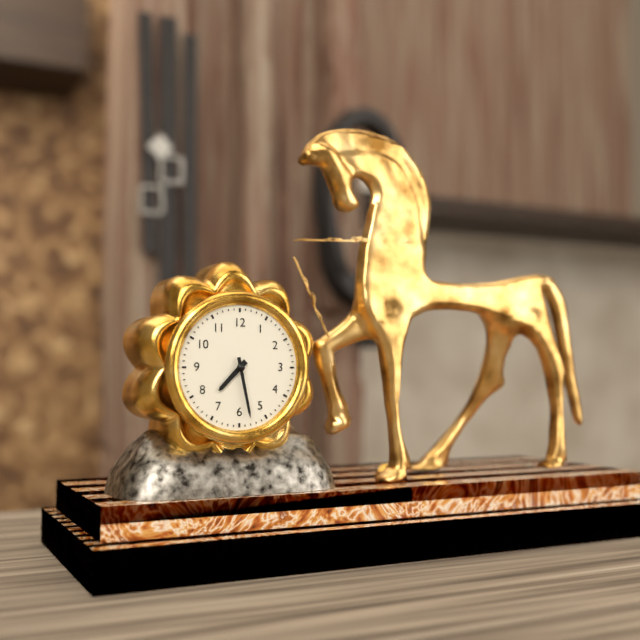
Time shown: **7:28**
